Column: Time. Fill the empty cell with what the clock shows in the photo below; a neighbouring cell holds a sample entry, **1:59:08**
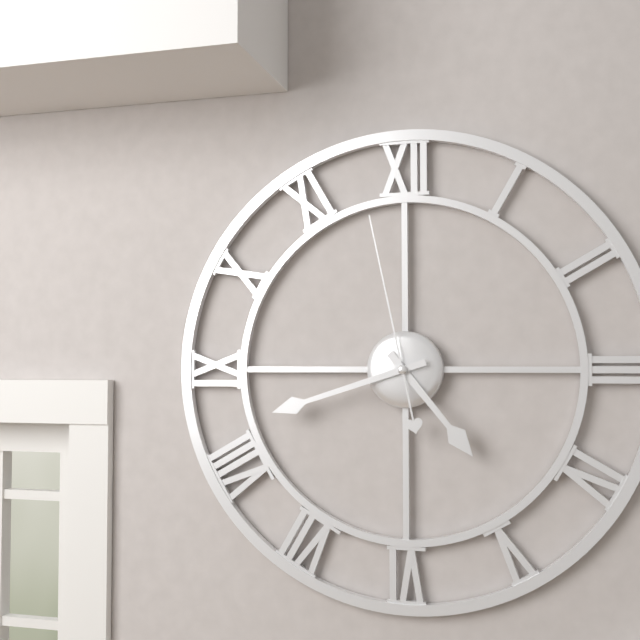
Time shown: **4:42:58**
